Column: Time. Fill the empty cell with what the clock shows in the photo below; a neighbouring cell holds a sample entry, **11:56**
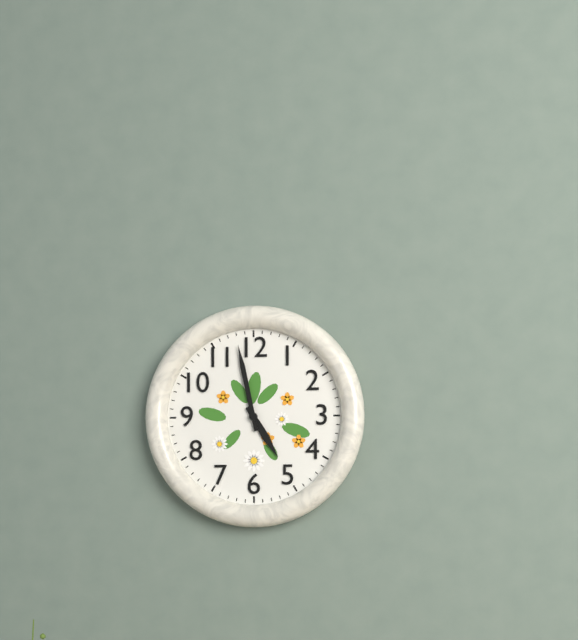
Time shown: **4:58**
